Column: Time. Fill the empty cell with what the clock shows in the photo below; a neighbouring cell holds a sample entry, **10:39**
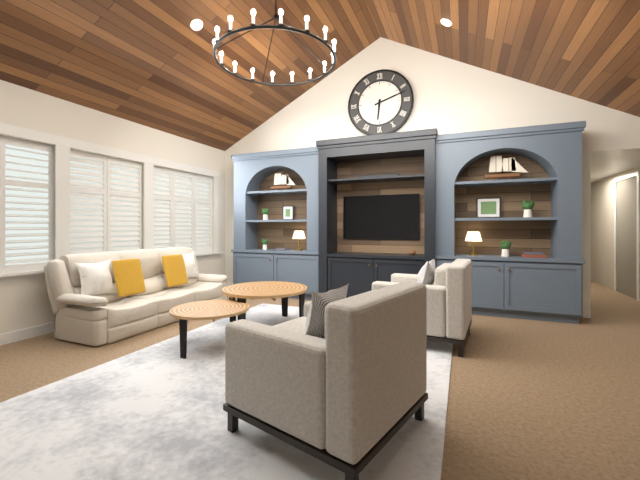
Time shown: **6:12**
